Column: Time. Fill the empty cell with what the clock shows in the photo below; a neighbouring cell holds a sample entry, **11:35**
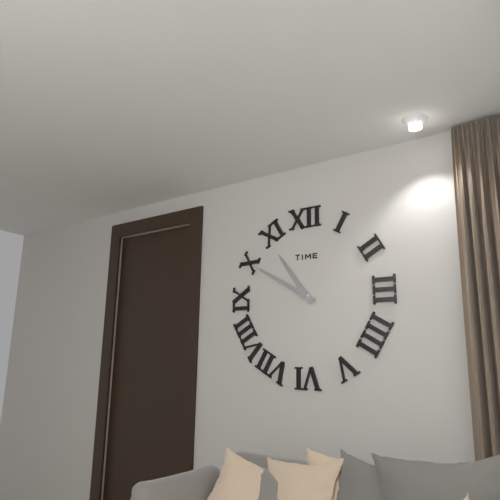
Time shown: **10:50**
